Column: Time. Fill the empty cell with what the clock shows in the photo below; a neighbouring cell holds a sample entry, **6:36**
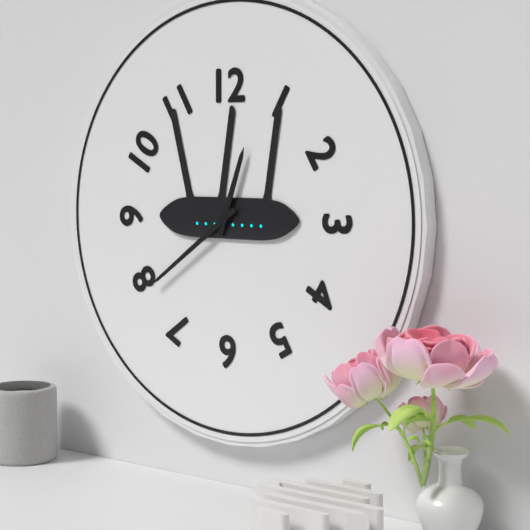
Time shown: **12:39**
